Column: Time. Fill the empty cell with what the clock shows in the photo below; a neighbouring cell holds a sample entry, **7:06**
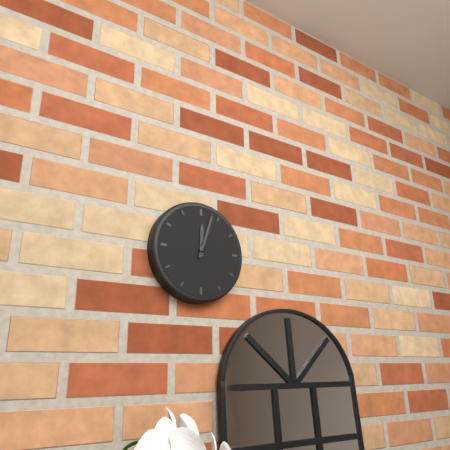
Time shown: **12:03**
